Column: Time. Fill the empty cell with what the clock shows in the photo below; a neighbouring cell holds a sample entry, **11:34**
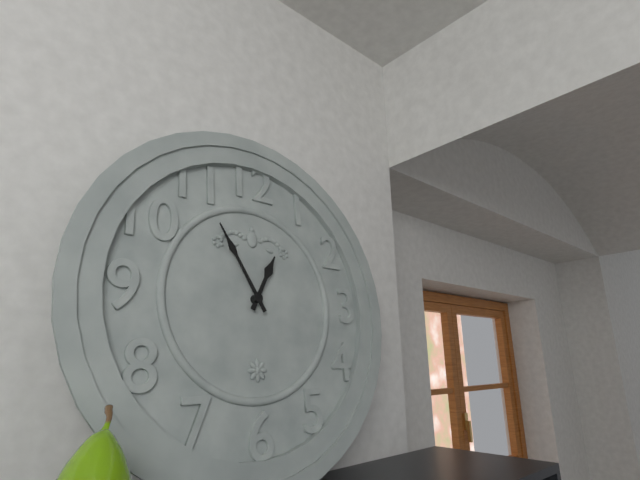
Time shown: **12:55**
